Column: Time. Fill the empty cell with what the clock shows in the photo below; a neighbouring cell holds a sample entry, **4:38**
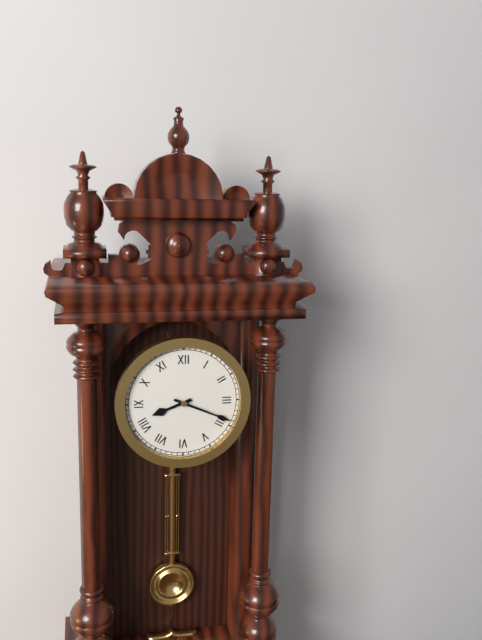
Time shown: **8:19**
